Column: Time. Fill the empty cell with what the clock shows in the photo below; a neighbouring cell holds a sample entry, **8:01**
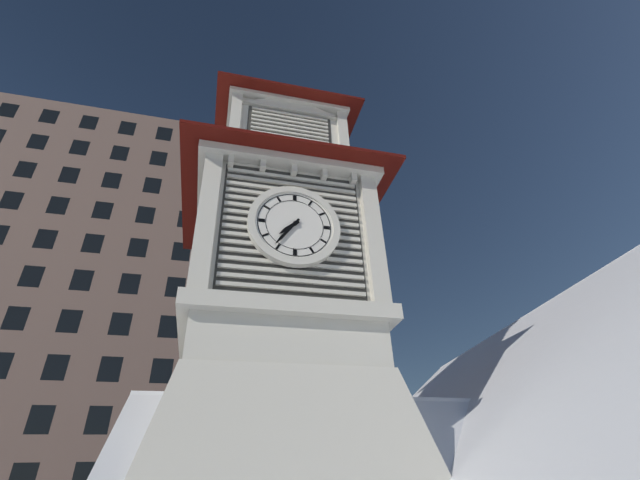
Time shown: **7:36**
